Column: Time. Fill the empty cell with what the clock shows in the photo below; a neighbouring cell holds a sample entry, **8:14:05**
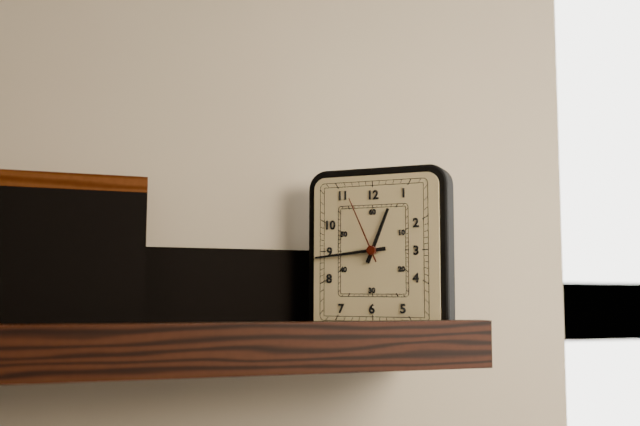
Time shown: **12:44:56**
